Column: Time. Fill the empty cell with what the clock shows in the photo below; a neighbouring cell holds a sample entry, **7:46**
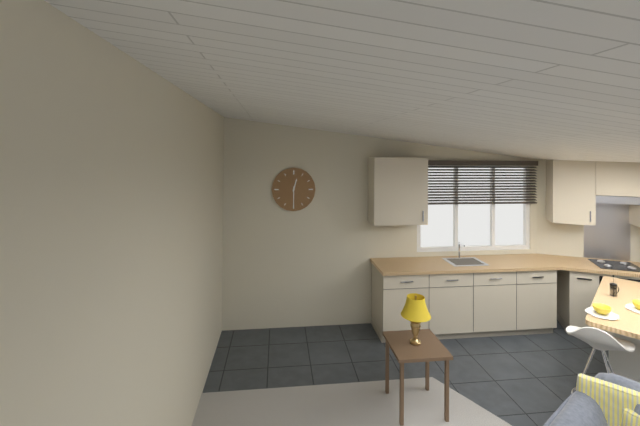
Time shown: **12:30**
